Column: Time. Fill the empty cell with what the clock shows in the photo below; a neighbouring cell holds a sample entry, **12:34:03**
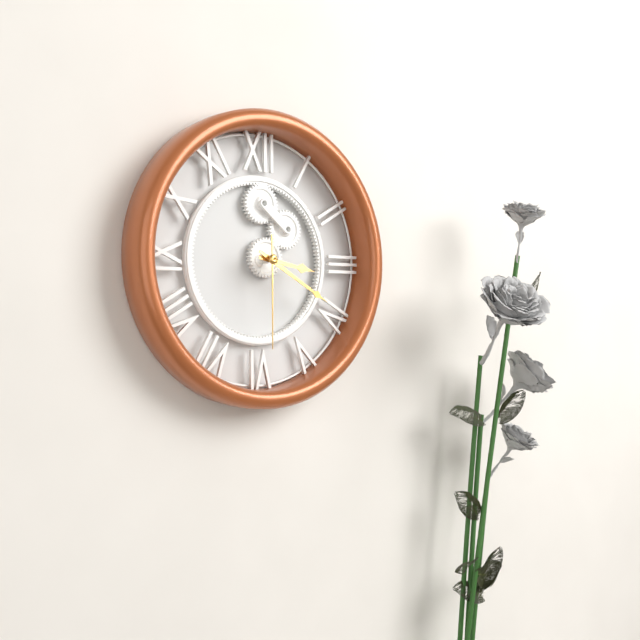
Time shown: **3:20:30**
